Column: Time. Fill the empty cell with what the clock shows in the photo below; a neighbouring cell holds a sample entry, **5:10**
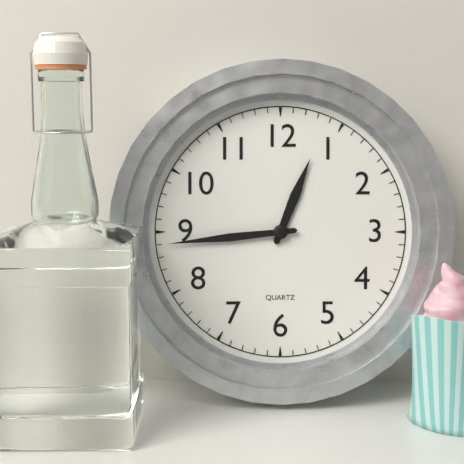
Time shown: **12:44**
